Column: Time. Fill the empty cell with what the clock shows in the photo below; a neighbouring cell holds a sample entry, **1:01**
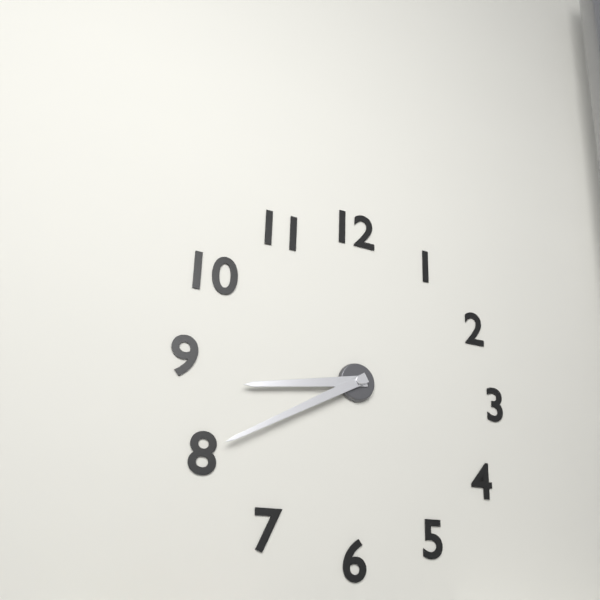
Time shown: **8:40**
